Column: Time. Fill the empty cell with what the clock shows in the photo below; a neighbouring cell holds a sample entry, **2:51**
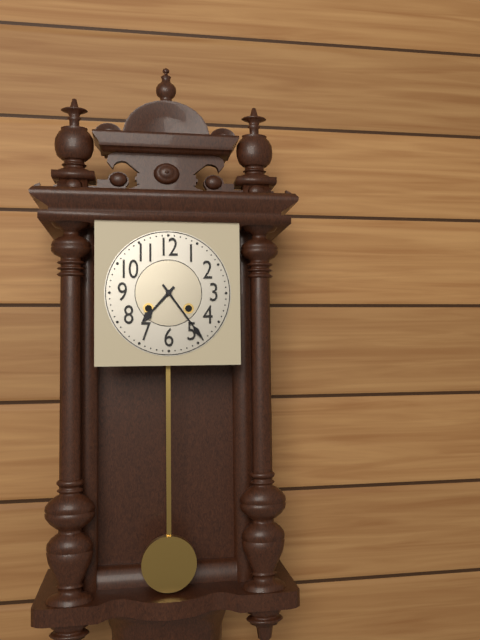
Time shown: **7:24**
